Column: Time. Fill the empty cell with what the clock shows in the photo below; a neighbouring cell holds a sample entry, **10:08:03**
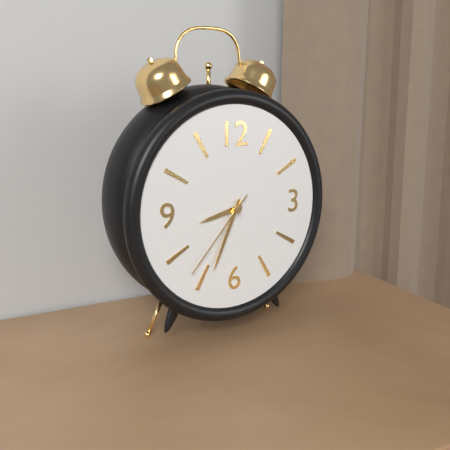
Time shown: **8:34:37**
